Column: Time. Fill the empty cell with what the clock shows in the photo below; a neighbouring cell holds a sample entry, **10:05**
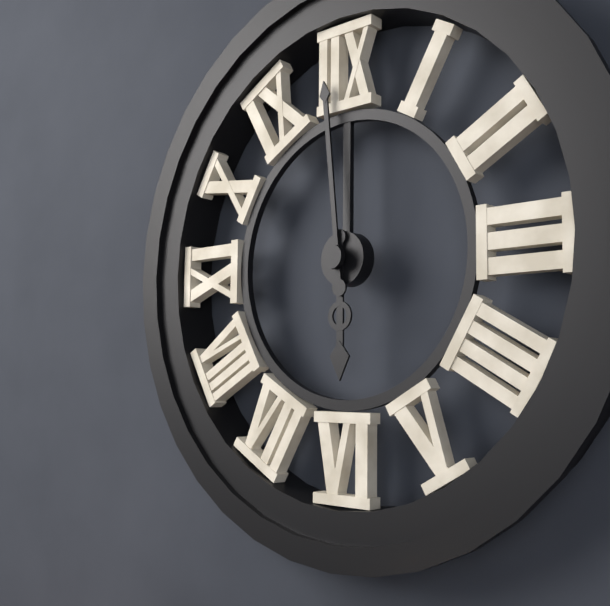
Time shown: **5:59**
